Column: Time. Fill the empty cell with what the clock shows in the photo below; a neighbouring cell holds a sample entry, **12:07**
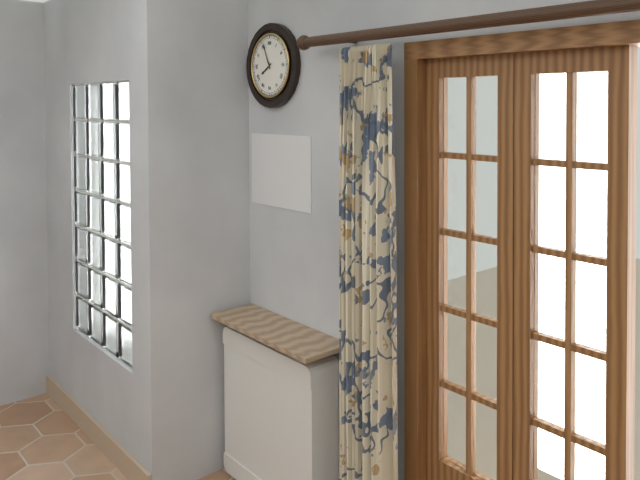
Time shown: **7:56**
